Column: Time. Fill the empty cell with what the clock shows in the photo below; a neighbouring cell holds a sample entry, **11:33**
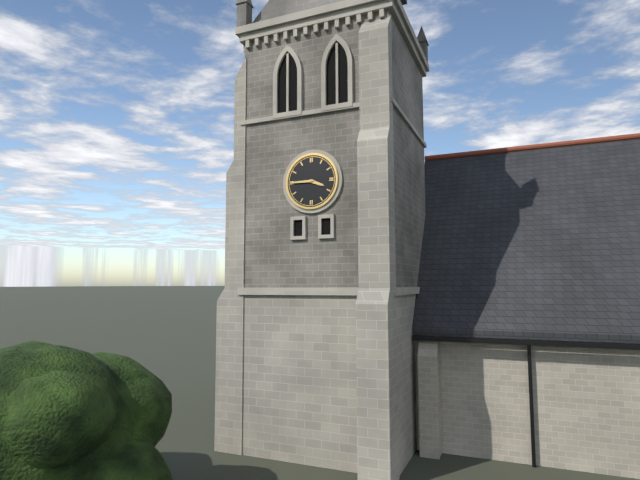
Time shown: **3:45**
